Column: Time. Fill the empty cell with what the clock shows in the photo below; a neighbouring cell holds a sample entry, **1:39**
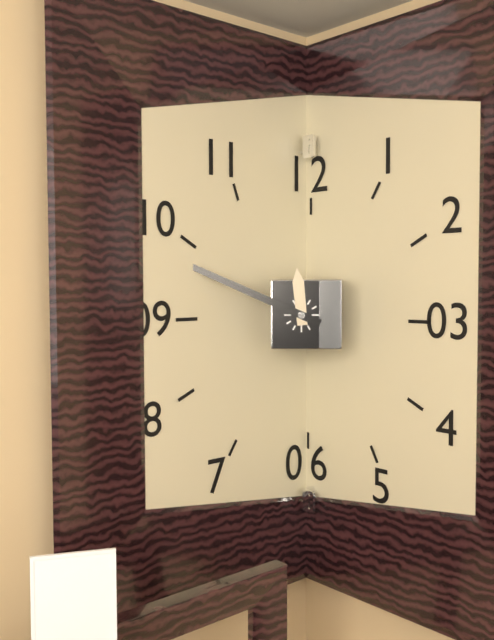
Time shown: **11:49**
